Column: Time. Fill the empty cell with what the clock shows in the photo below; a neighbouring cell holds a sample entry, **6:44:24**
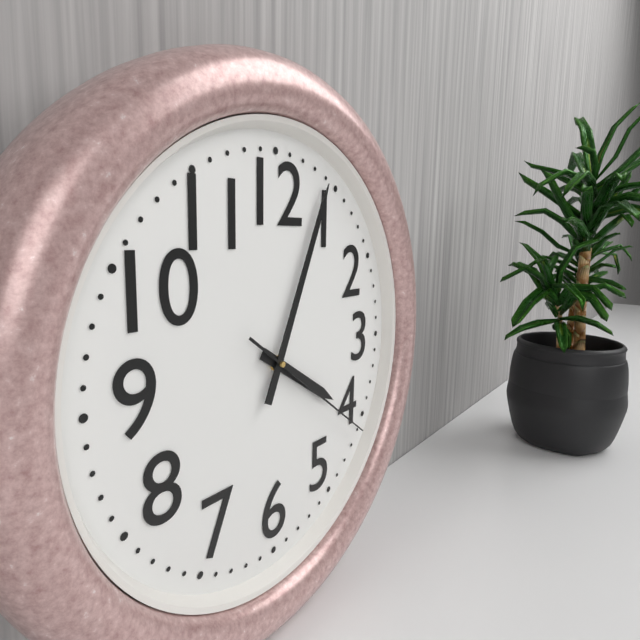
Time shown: **4:04:21**
